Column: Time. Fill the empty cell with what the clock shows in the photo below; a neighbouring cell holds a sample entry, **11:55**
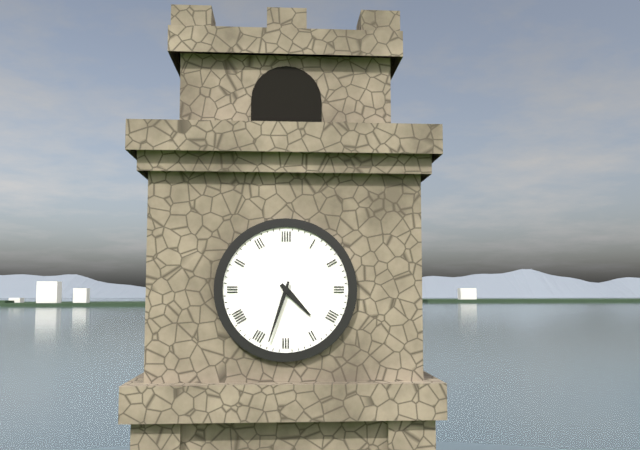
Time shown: **4:33**
